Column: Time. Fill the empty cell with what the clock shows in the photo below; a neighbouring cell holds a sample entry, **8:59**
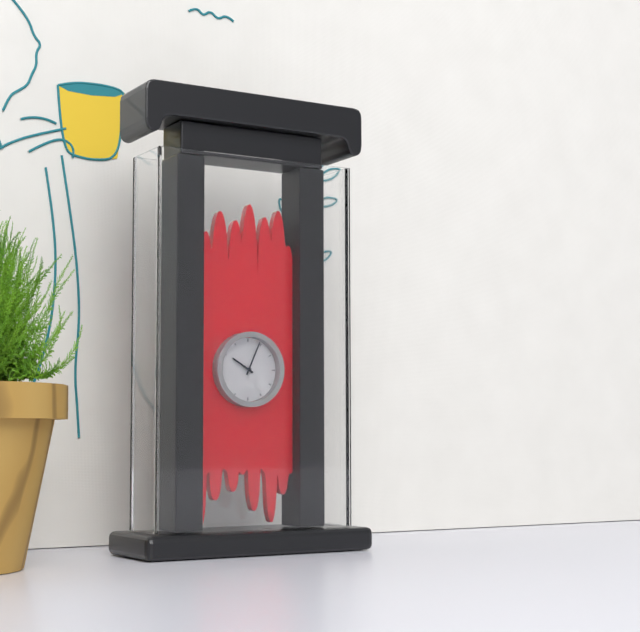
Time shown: **10:04**
